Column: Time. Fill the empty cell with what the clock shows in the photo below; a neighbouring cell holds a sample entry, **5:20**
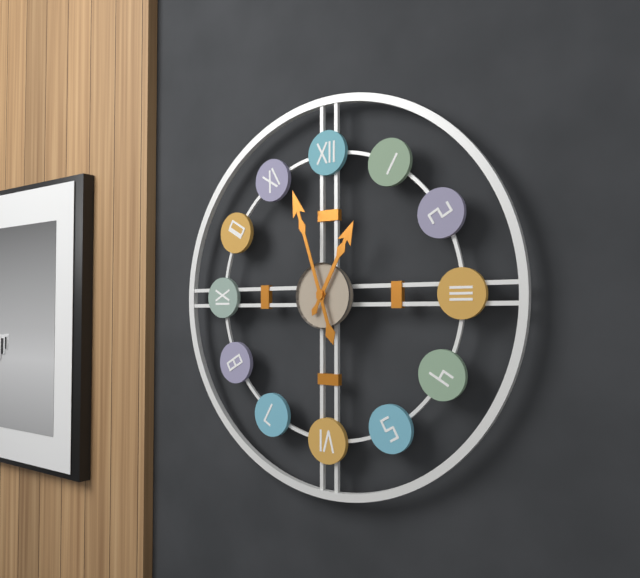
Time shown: **12:57**
